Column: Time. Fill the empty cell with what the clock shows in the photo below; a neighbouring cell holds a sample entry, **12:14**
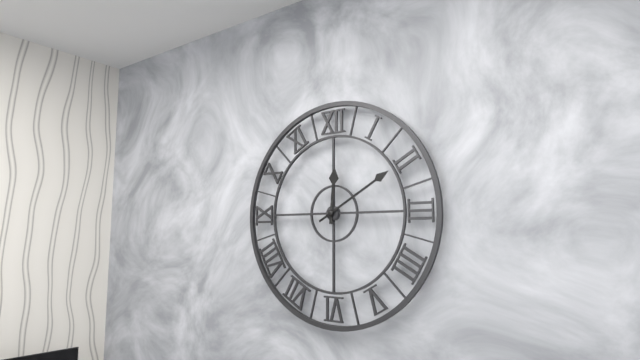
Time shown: **12:10**
